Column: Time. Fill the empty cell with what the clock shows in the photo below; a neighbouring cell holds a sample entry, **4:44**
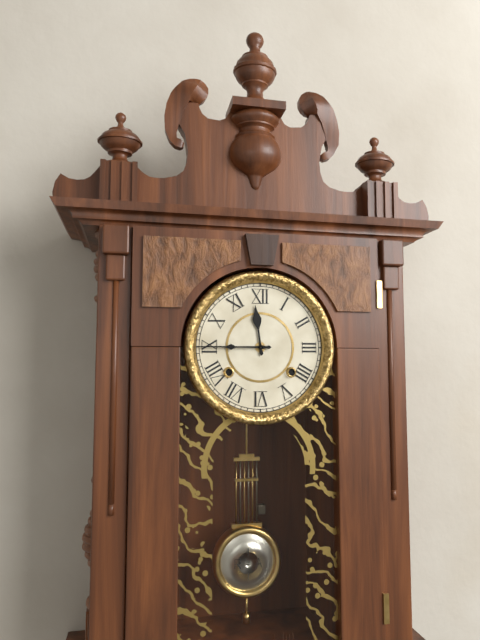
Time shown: **11:45**
